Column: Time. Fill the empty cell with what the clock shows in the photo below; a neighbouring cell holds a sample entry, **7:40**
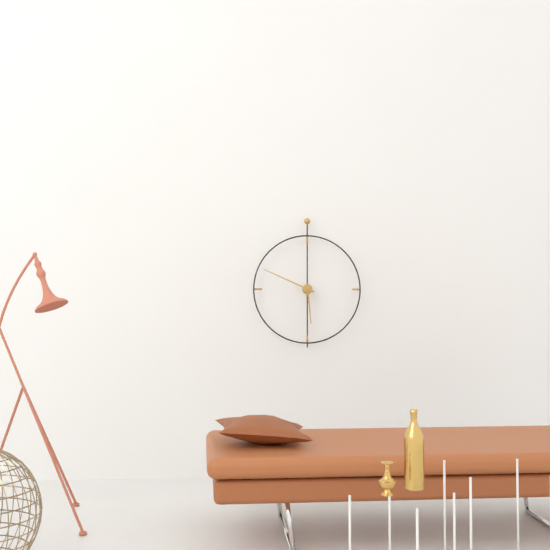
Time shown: **5:49**
